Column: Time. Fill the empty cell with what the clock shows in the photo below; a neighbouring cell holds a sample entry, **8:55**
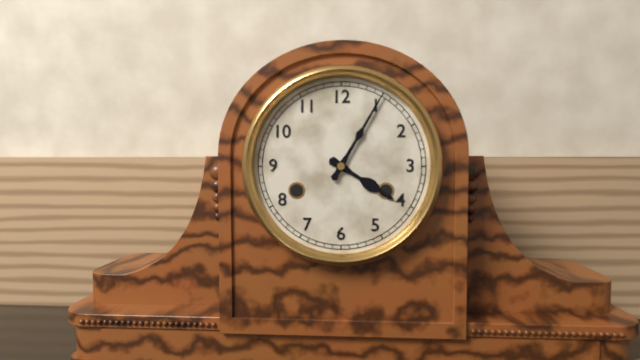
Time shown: **4:05**
